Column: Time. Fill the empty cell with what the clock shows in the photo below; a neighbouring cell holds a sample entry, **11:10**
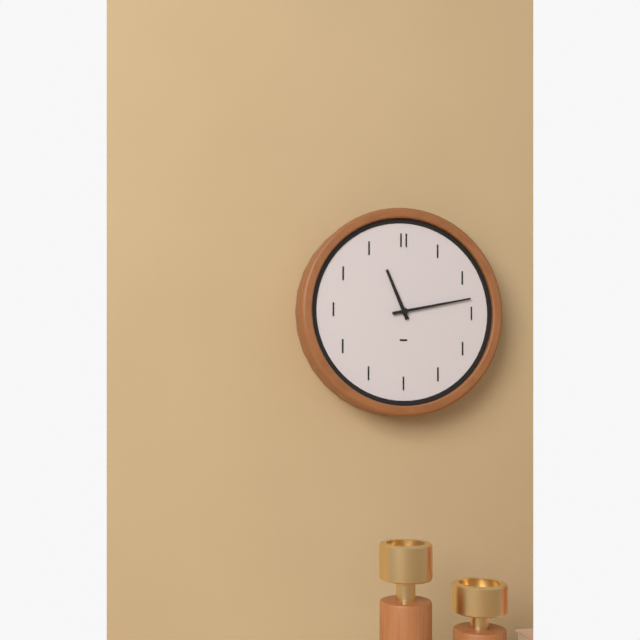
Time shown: **11:13**
